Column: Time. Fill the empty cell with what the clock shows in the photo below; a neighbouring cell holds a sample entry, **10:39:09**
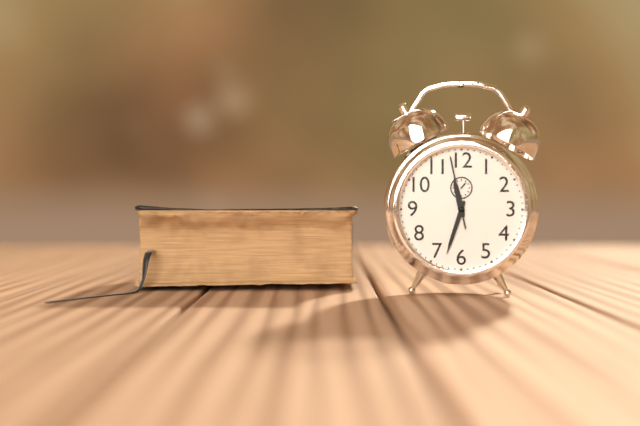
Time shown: **11:33:58**
